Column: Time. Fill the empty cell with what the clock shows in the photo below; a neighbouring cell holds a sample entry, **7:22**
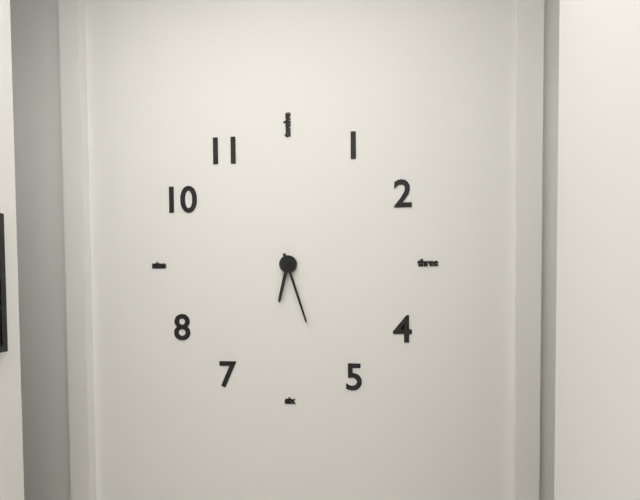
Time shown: **6:27**
